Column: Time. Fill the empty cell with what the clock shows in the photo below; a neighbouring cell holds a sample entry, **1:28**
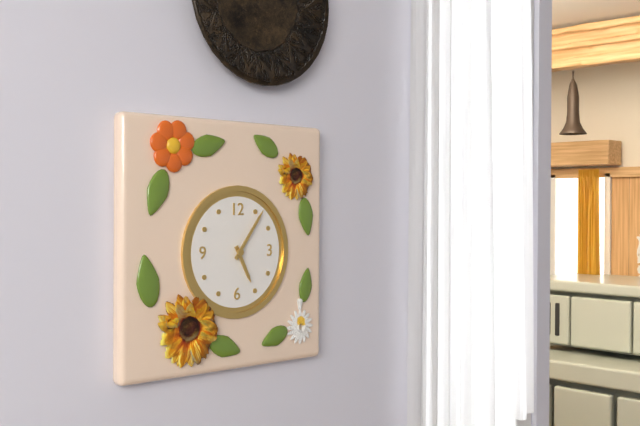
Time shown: **5:06**
